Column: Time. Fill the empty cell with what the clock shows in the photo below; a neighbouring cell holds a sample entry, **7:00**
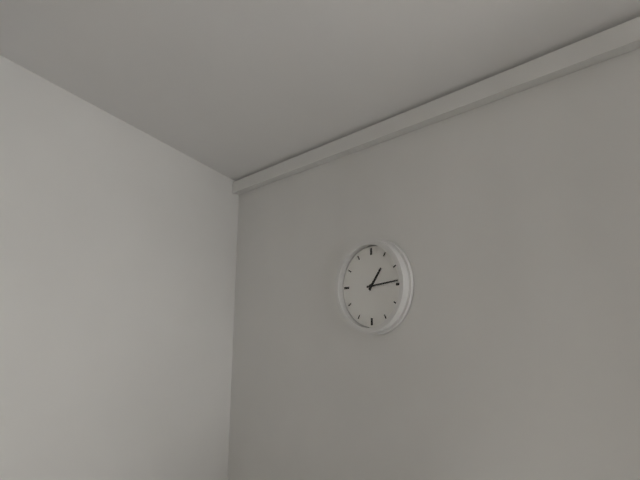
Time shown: **1:14**
